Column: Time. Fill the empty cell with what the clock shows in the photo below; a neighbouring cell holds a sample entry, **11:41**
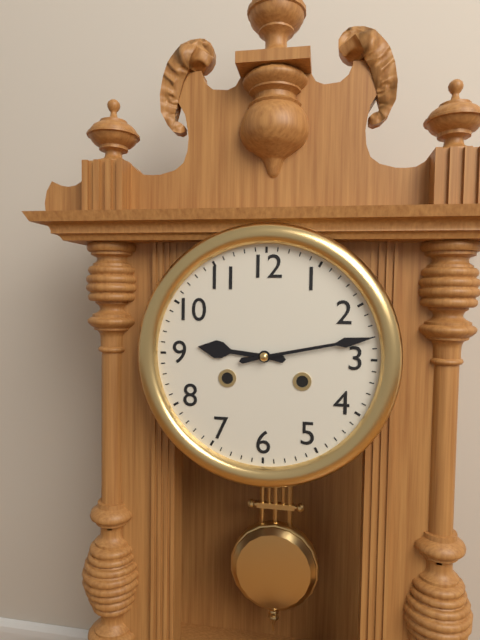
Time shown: **9:13**
